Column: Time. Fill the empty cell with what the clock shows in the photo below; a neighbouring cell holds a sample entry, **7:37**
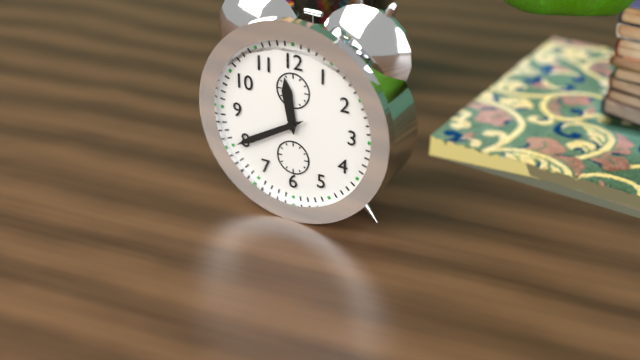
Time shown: **11:40**
